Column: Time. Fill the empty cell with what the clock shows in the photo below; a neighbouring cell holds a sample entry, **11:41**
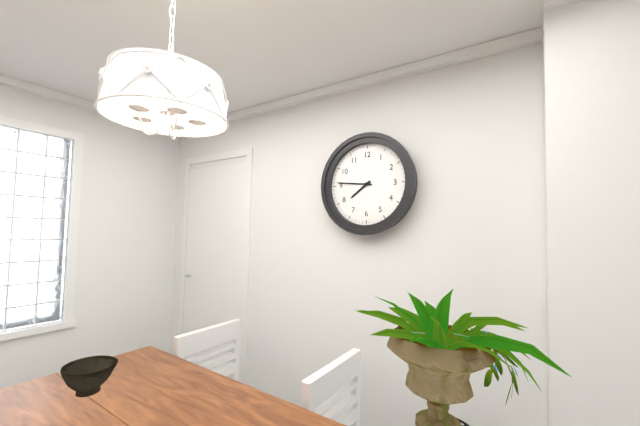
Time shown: **7:46**
